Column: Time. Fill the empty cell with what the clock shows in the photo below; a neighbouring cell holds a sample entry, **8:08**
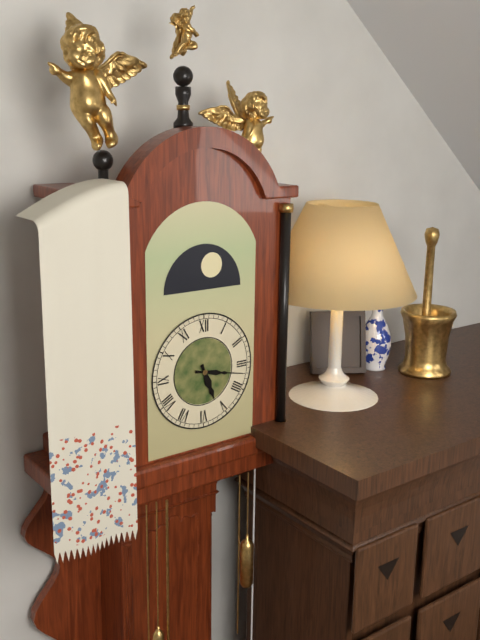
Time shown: **5:17**
